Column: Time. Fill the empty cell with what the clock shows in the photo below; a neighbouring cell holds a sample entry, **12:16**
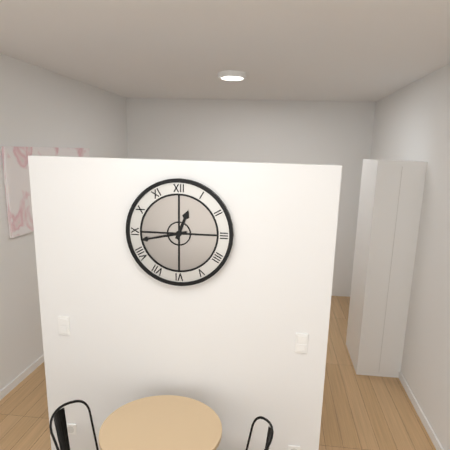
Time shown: **12:43**
